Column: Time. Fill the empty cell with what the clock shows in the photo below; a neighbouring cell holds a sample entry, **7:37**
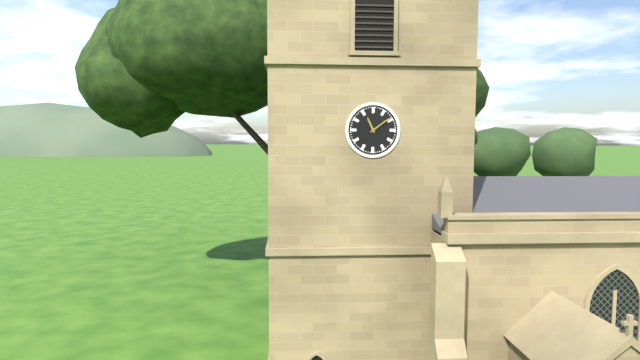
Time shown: **11:09**
